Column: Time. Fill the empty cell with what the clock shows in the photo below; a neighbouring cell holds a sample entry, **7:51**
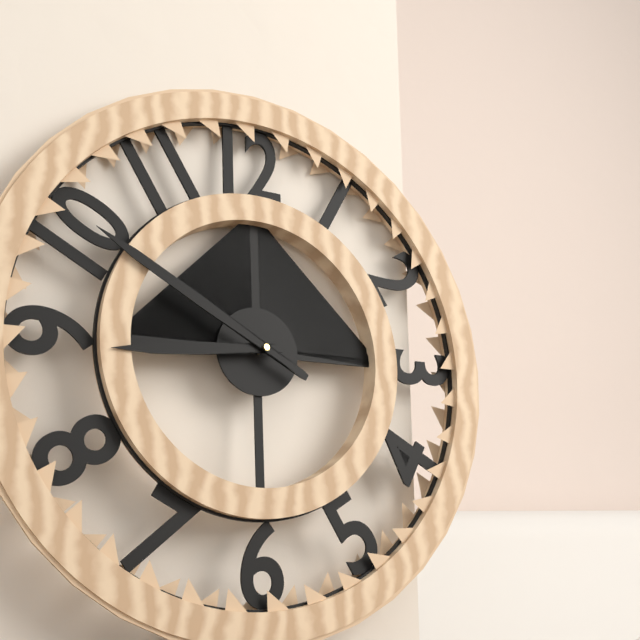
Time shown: **8:50**
